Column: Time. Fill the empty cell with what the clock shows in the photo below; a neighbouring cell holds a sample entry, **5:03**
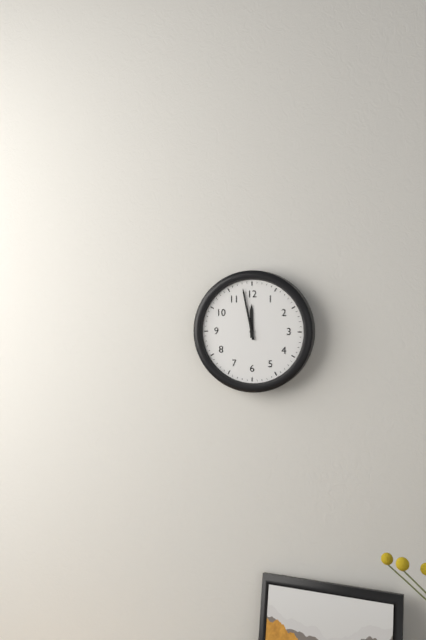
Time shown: **11:58**
